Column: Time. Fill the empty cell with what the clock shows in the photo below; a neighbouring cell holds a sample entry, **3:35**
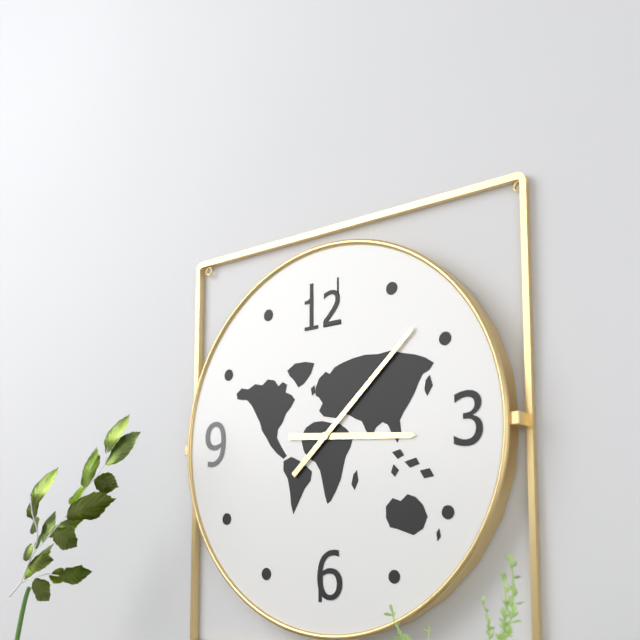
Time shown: **3:08**
